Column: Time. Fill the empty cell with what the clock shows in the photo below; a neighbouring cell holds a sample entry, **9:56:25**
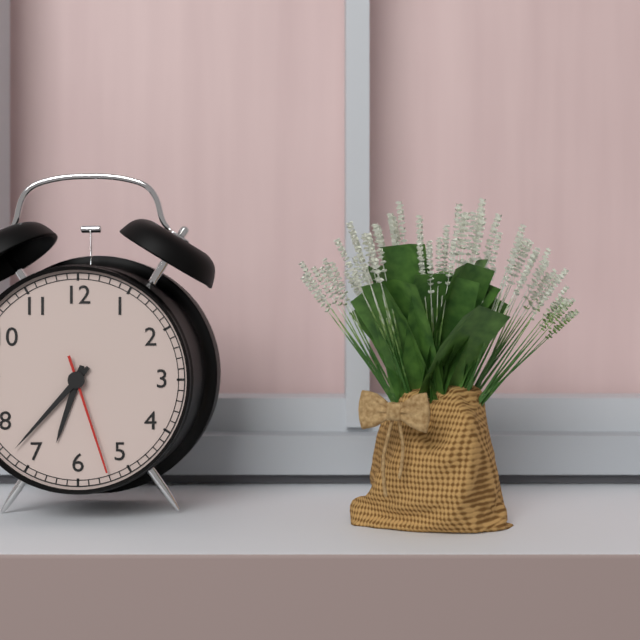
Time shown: **6:37:27**
